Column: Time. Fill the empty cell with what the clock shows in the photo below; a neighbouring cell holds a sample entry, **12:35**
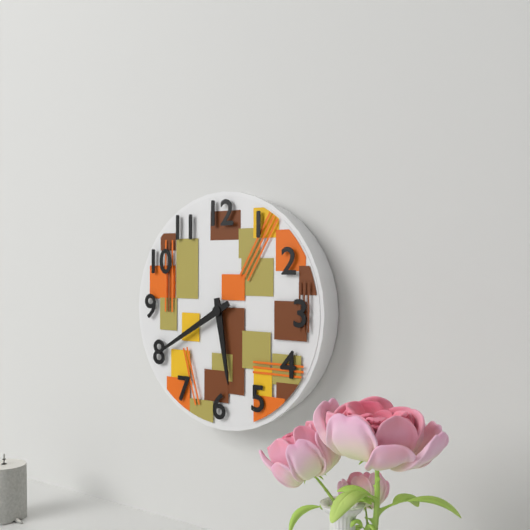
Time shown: **5:40**
